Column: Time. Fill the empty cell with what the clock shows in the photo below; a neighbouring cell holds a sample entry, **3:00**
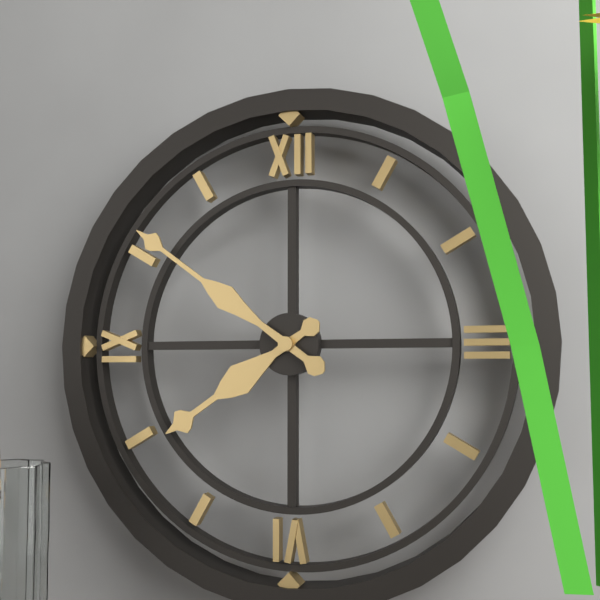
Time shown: **7:51**
